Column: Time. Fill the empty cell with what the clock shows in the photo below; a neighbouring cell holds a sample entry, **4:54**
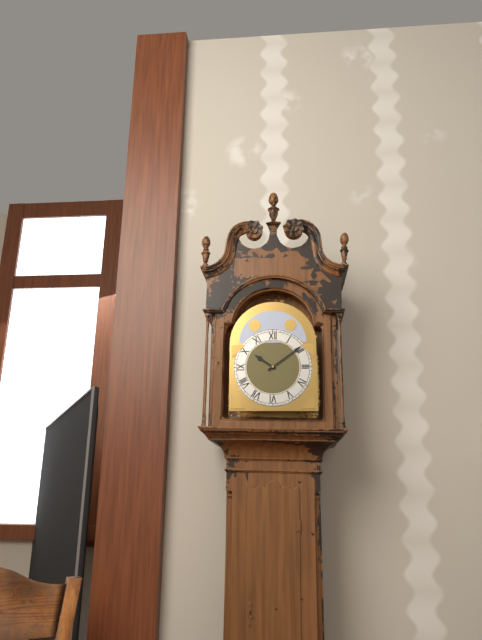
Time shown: **10:09**
